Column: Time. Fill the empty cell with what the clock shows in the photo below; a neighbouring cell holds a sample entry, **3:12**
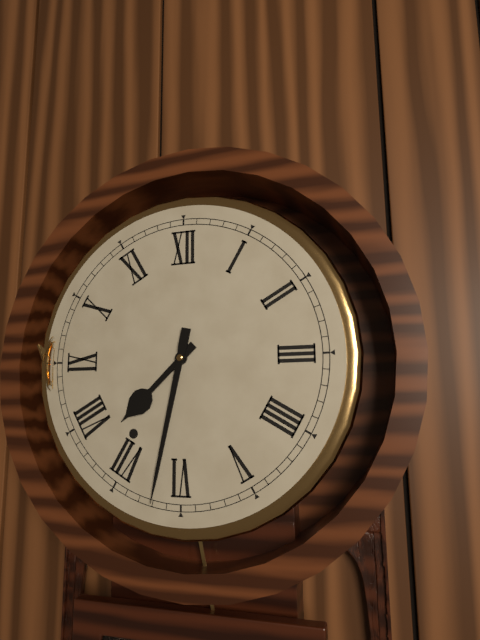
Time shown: **7:32**
